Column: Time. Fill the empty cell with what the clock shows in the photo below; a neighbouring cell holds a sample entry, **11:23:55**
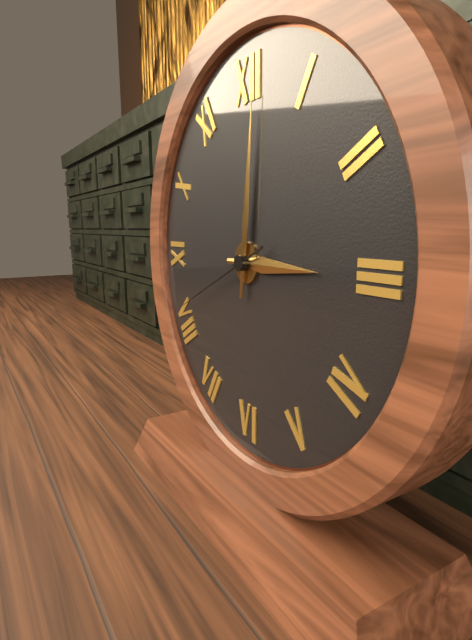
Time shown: **3:01:41**
